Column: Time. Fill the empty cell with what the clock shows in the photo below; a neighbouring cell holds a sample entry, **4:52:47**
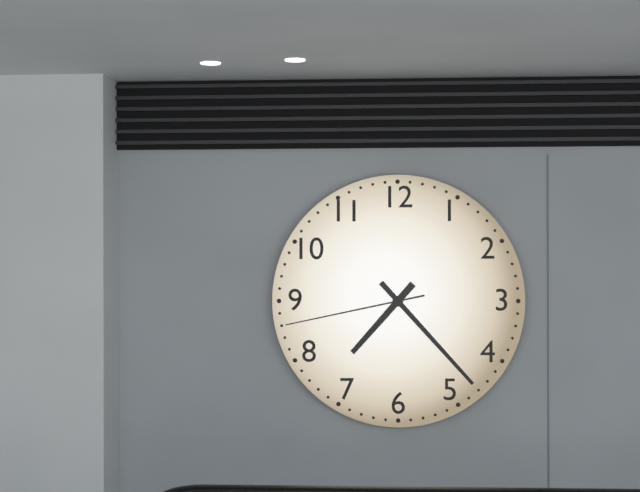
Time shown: **7:23:43**
